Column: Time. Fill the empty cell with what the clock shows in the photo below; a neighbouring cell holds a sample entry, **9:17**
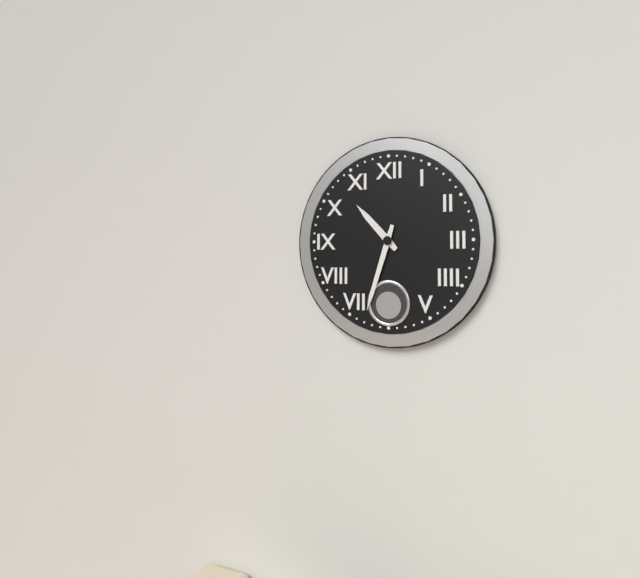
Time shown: **10:33**
